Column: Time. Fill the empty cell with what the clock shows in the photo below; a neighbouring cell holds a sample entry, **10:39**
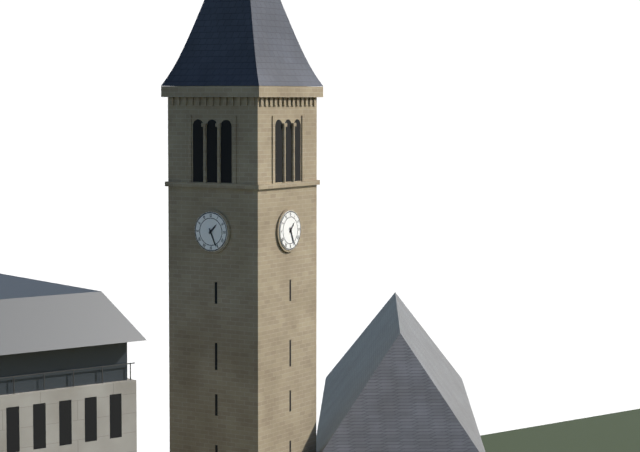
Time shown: **1:26**
